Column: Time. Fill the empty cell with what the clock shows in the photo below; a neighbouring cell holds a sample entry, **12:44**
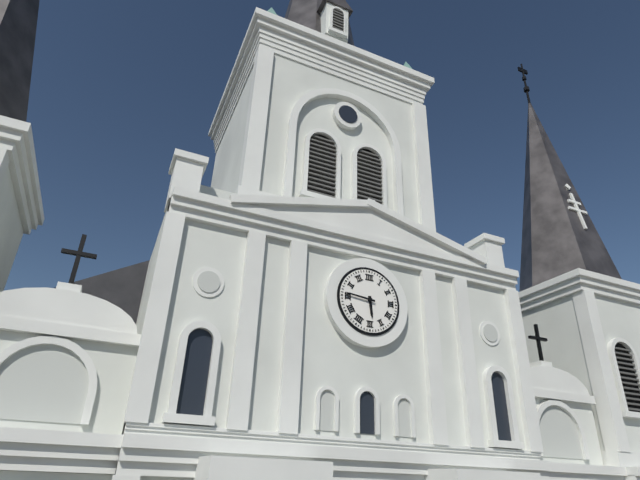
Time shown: **5:46**
